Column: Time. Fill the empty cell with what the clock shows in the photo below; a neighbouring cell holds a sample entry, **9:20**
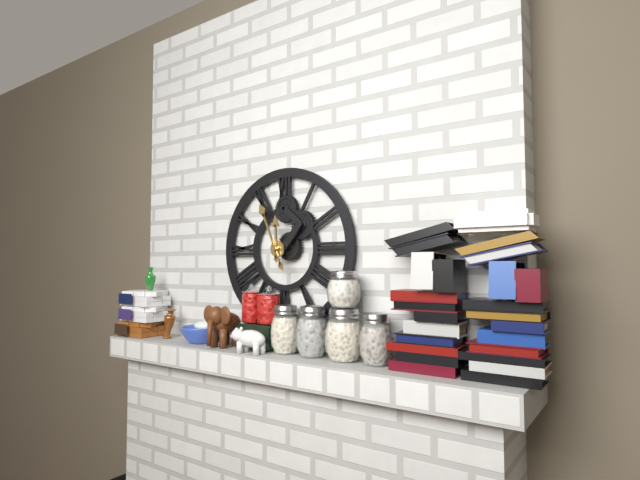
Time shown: **11:56**
